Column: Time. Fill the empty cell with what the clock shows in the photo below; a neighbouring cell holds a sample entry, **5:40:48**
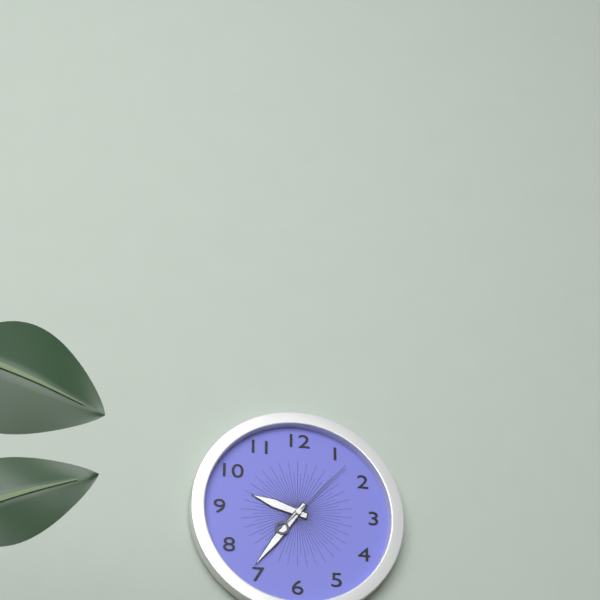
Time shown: **9:36:07**
